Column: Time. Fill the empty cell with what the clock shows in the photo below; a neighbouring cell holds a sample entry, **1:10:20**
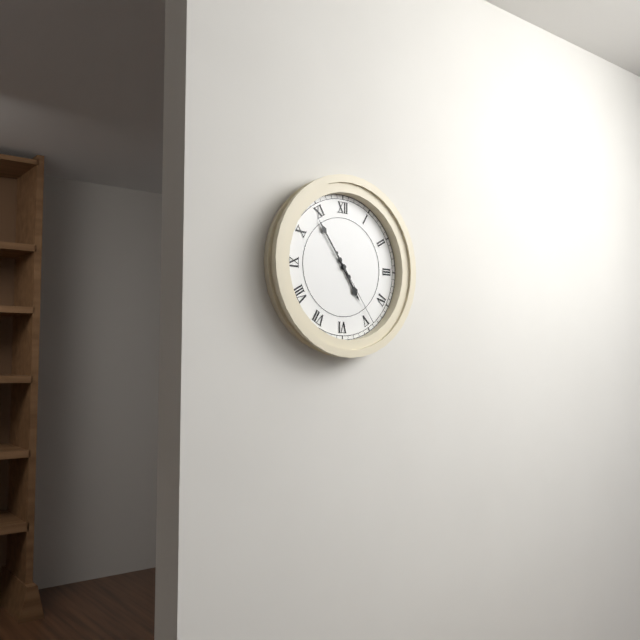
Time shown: **4:54:24**
